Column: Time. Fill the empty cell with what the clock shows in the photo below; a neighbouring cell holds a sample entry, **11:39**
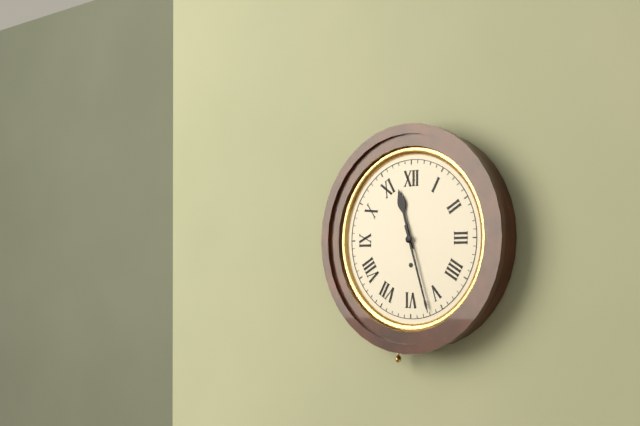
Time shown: **11:27**
